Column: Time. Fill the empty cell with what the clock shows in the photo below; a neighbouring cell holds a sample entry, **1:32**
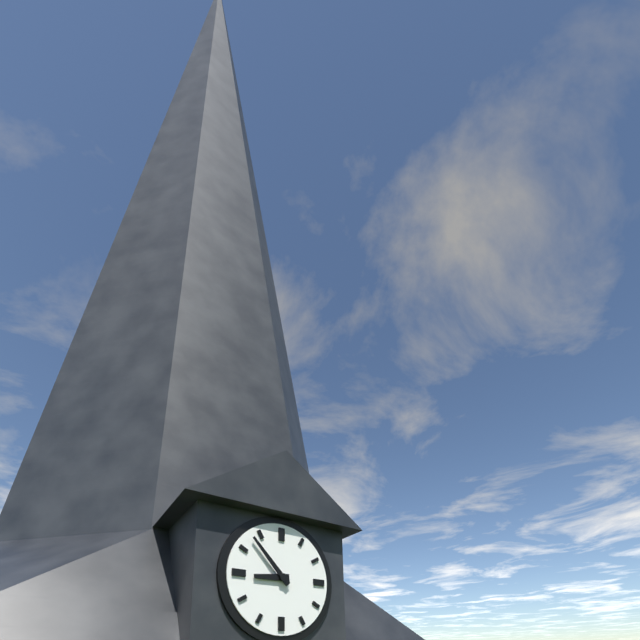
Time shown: **8:53**
